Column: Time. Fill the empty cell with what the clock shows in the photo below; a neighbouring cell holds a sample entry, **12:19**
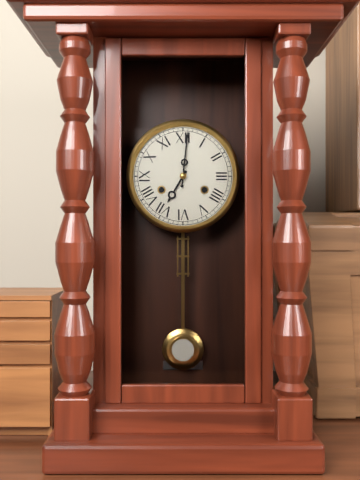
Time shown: **7:01**
